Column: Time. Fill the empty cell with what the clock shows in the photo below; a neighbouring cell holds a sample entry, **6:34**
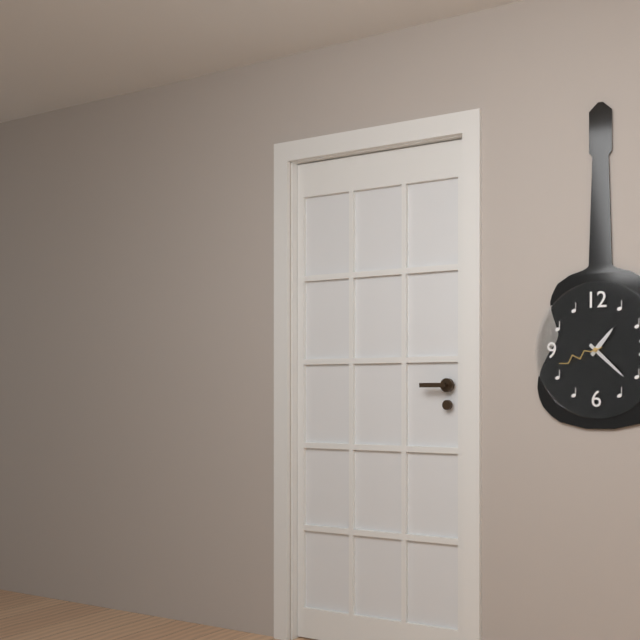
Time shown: **1:22**
